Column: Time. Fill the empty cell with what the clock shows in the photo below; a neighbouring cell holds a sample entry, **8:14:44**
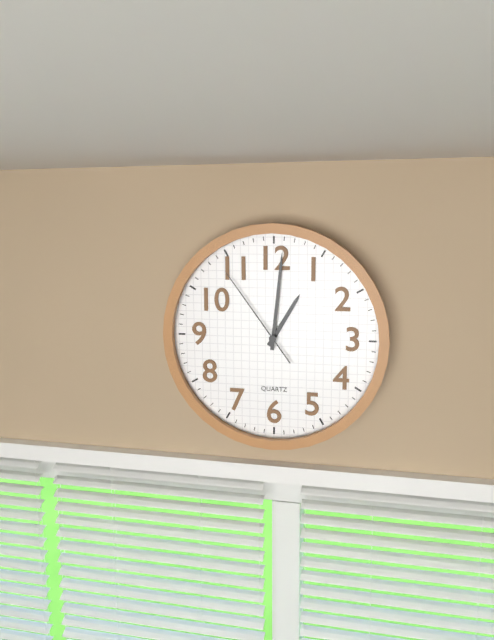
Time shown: **1:01:54**
